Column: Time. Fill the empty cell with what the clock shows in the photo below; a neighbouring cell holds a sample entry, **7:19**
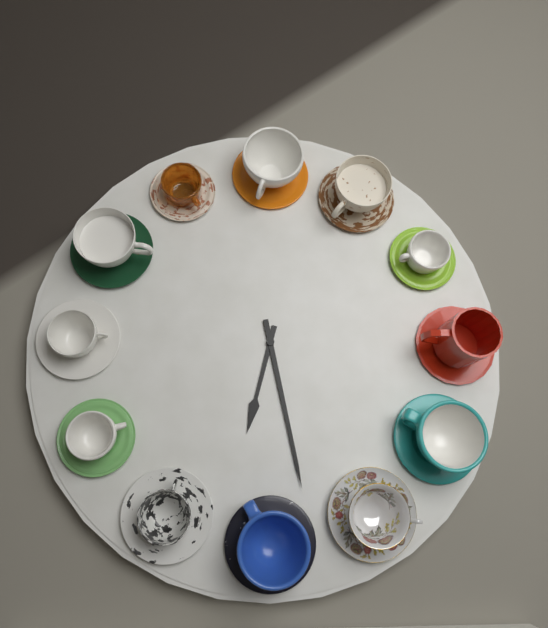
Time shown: **6:28**
